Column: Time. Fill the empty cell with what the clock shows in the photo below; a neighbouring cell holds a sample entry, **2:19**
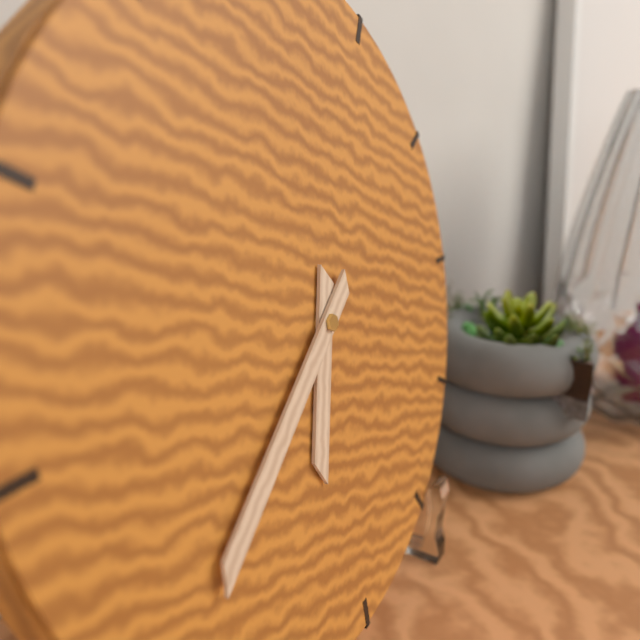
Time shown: **6:39**
